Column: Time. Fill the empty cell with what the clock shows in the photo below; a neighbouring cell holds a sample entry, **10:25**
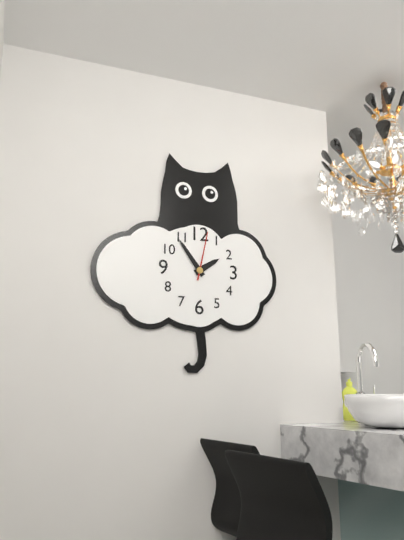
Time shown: **1:54**
